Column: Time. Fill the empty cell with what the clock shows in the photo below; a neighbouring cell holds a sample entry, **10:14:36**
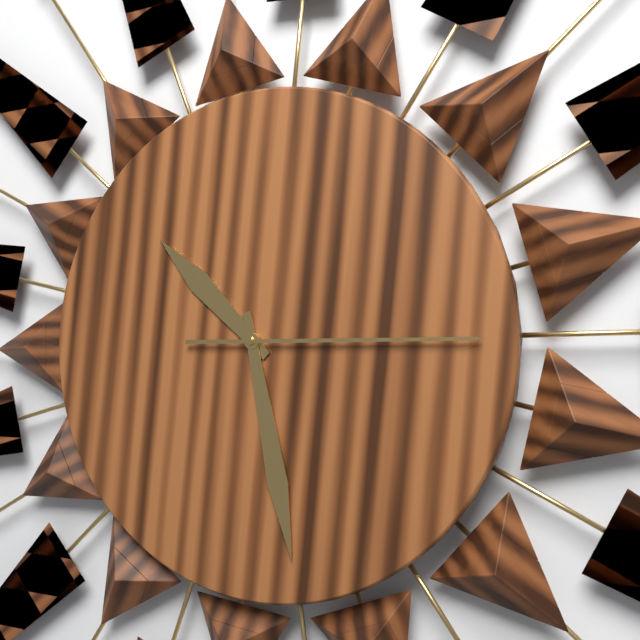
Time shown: **10:28:15**
